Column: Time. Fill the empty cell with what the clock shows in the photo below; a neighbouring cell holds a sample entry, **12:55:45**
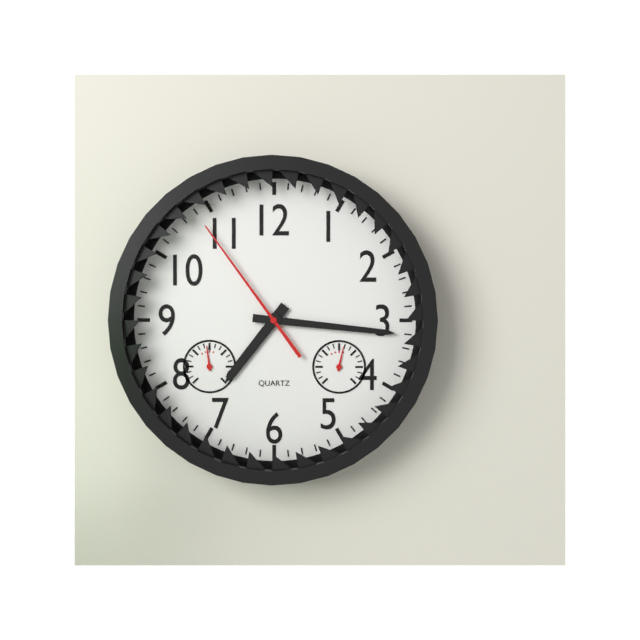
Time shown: **7:16:54**
